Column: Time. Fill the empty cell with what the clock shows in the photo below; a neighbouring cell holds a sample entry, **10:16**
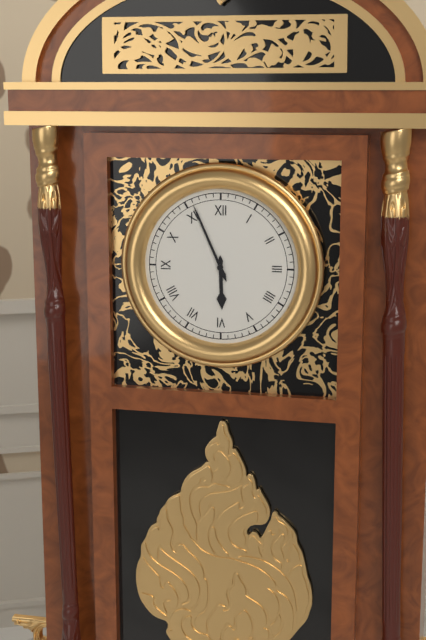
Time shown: **5:56**
